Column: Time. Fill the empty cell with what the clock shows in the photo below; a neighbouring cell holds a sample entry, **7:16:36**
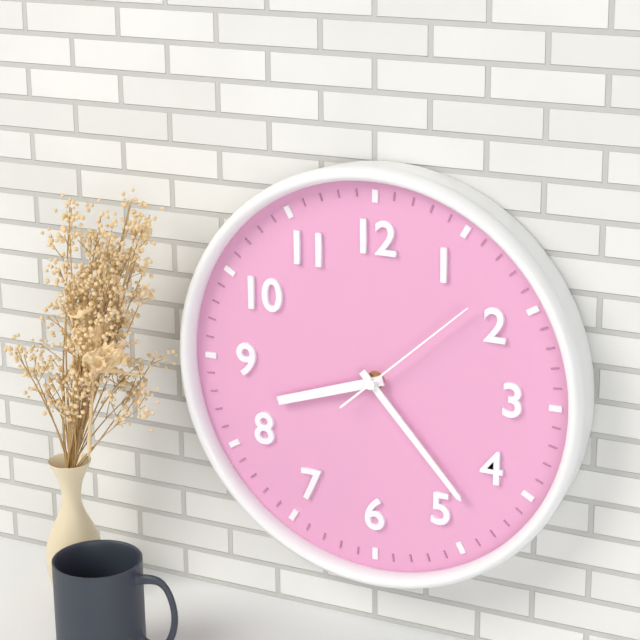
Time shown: **8:23:08**
